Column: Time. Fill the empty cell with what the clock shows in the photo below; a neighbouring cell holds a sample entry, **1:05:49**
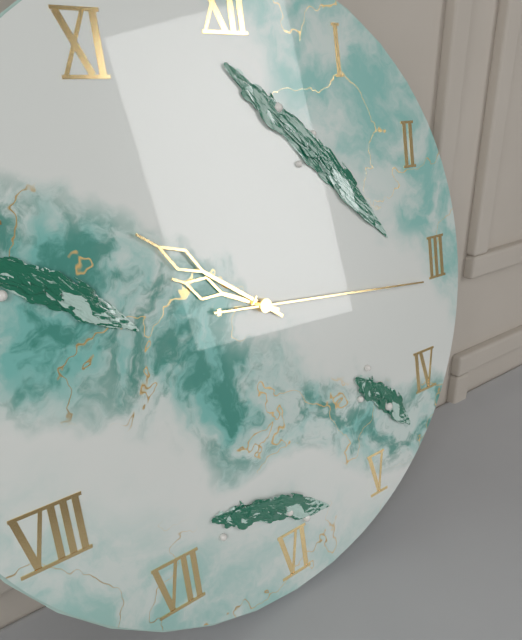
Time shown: **9:51:16**
